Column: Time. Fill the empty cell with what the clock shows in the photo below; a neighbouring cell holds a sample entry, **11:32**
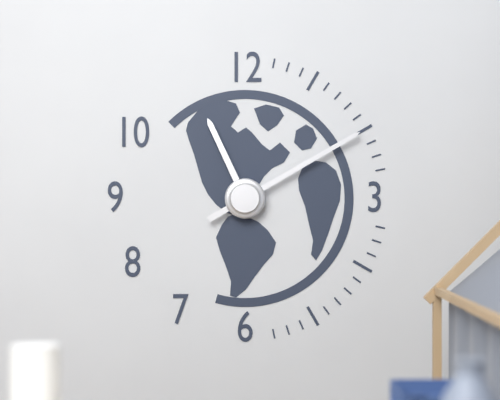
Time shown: **11:10**
